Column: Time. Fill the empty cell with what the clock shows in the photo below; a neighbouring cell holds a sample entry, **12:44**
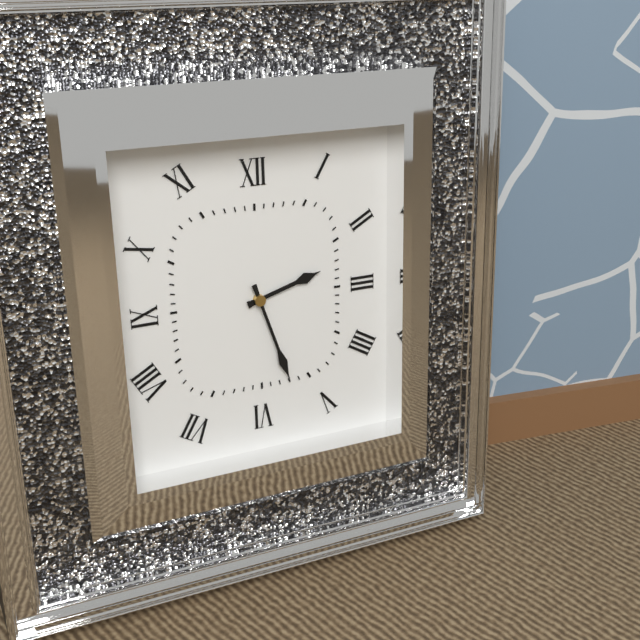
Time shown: **2:27**
